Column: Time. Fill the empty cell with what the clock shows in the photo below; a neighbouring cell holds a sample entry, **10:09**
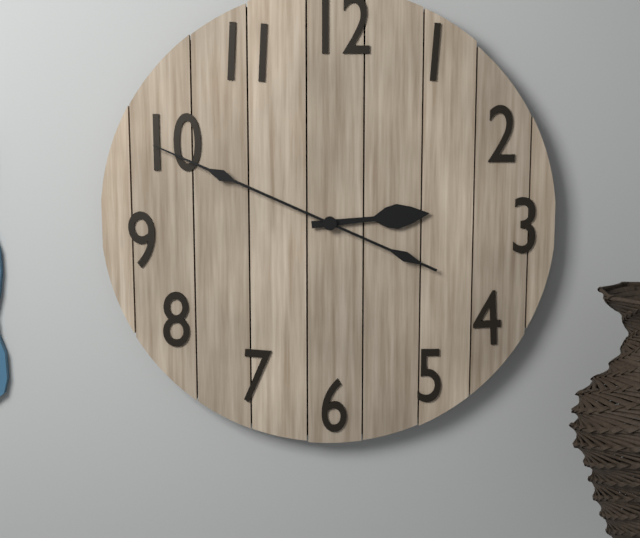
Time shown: **2:49**
